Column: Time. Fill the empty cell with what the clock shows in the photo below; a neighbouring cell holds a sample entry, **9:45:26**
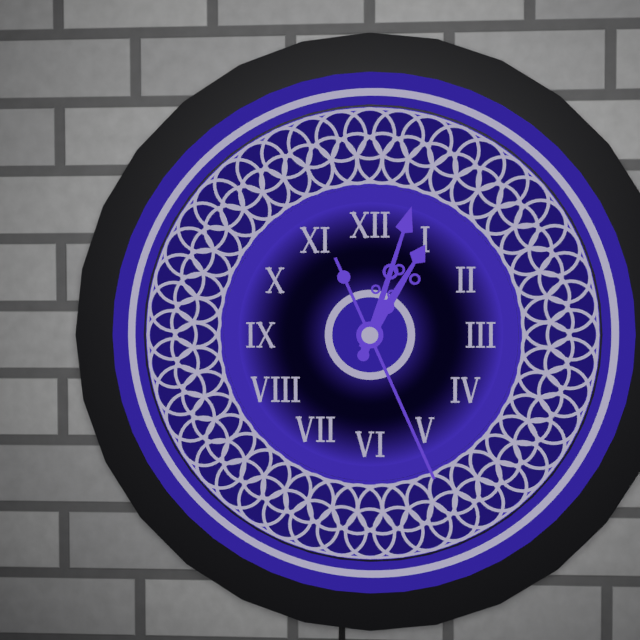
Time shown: **1:03:26**
